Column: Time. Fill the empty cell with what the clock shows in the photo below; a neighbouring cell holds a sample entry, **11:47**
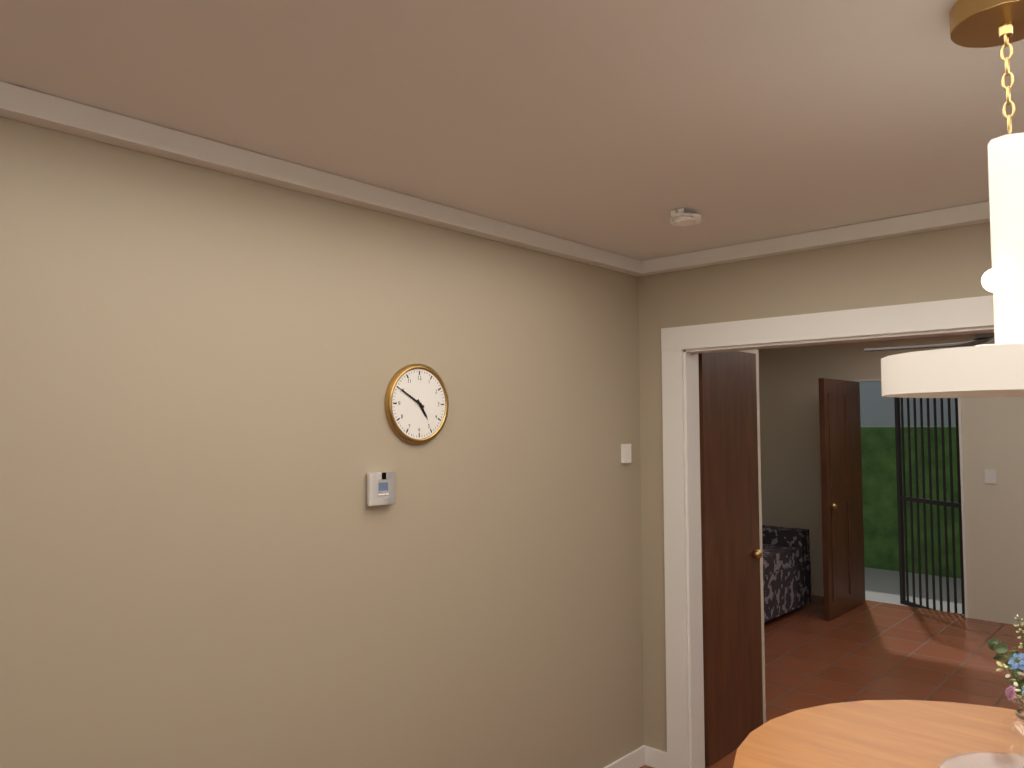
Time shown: **4:50**
